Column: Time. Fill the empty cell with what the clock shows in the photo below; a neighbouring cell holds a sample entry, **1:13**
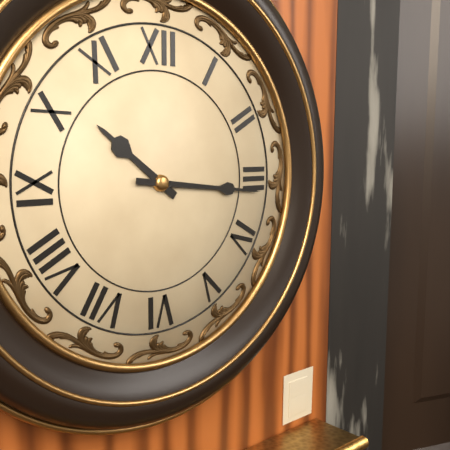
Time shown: **10:16**
